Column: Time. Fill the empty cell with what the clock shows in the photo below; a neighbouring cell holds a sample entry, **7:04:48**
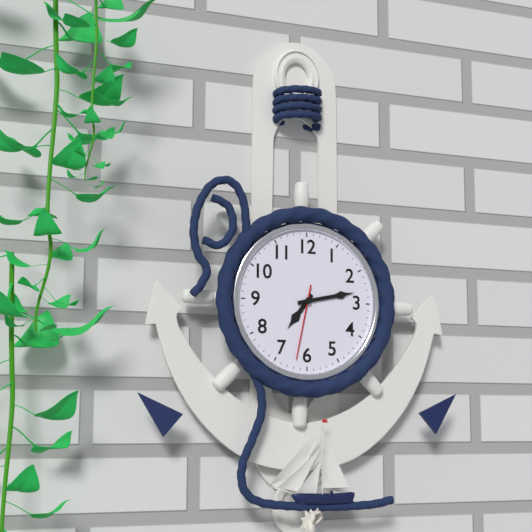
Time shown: **7:13:32**
